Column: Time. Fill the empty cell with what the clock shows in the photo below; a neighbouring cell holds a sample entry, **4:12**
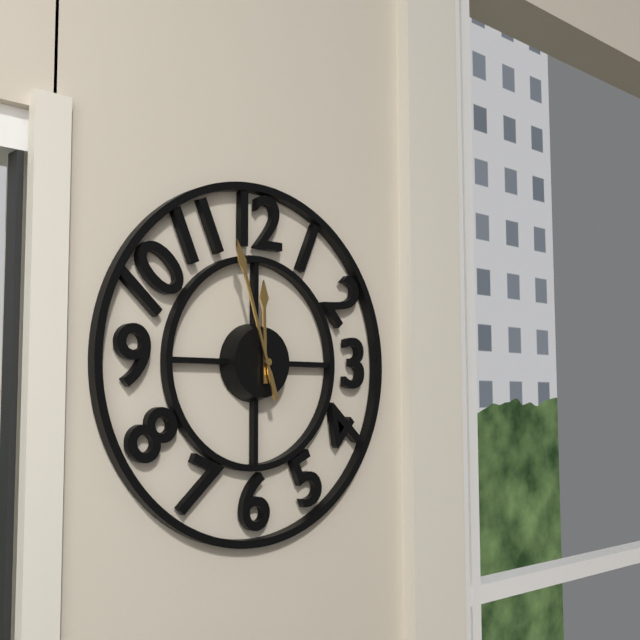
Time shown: **11:57**
